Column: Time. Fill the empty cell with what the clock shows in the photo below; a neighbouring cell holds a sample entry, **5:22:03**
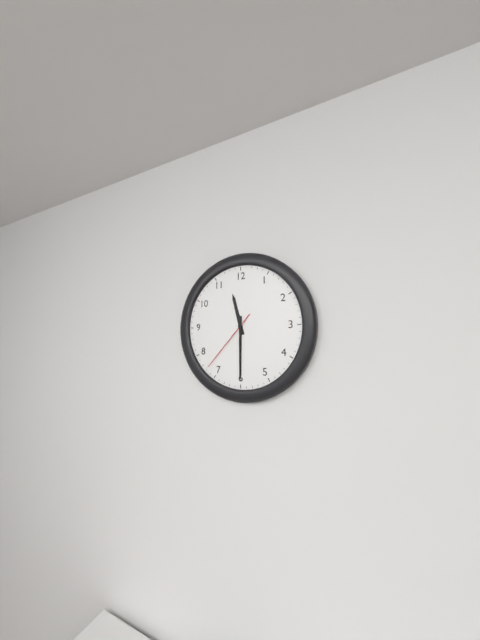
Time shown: **11:30:37**
